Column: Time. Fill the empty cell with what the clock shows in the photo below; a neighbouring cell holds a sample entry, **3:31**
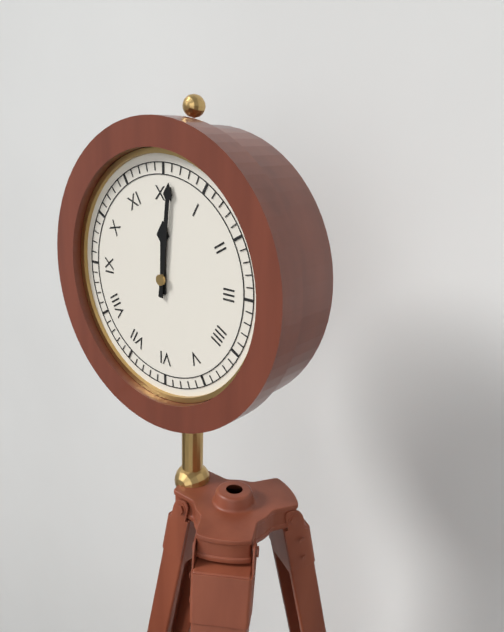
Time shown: **12:01**
